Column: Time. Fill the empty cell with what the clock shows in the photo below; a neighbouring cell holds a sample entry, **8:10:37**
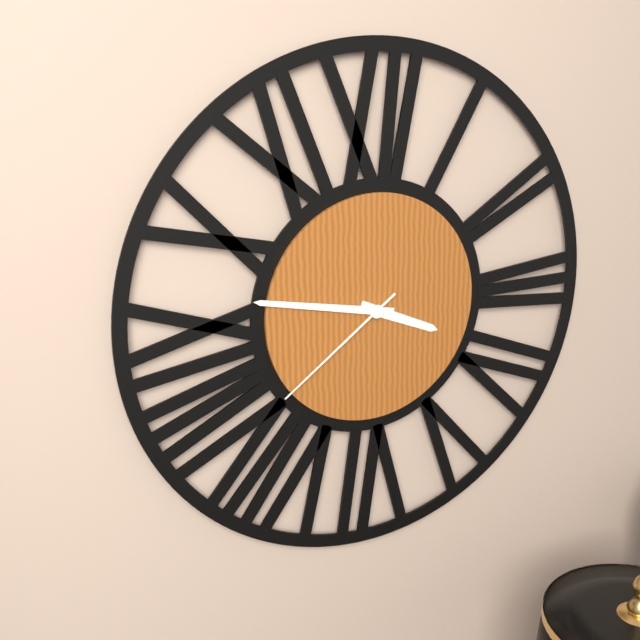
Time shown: **3:47:39**
